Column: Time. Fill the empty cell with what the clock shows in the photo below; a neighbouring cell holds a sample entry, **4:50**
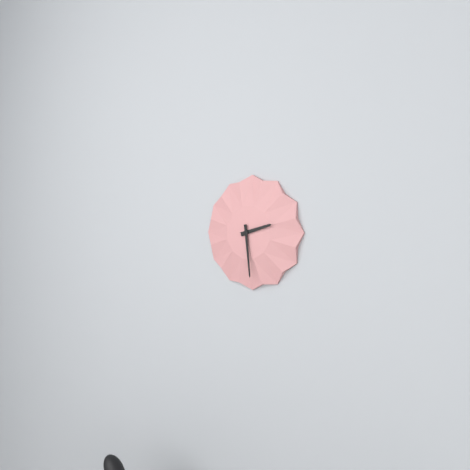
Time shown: **2:29**
